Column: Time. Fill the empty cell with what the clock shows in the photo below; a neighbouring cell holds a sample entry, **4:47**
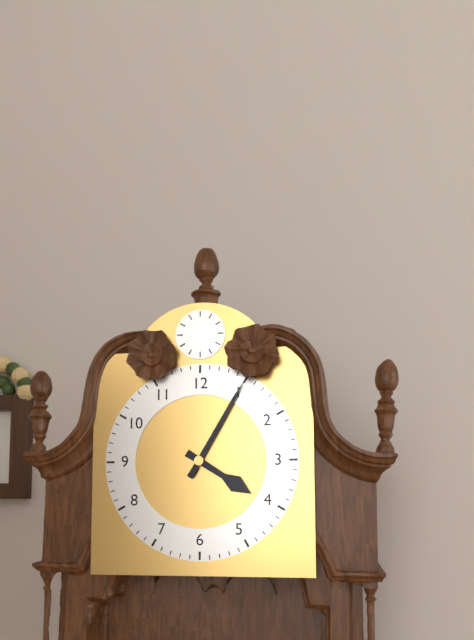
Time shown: **4:05**
